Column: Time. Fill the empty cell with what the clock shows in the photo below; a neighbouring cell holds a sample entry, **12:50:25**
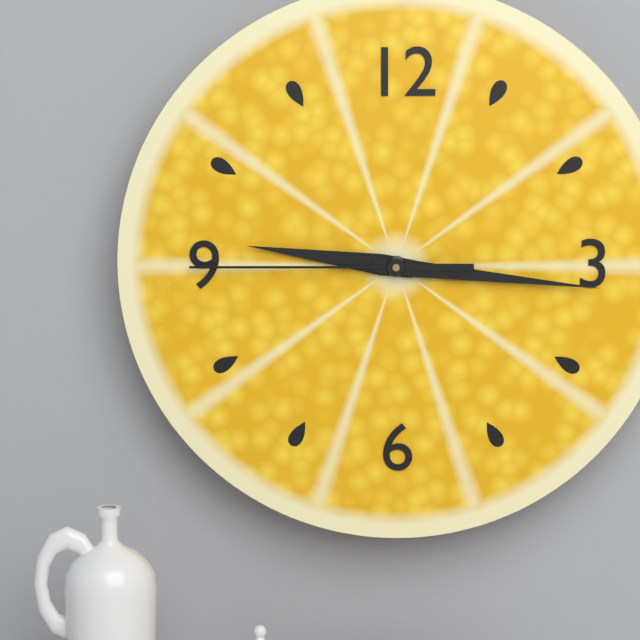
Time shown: **9:16:45**
